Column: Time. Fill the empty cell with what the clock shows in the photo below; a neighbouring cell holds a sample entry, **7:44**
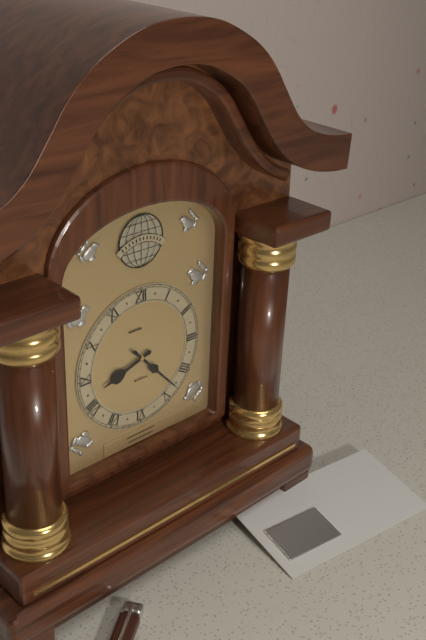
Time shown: **8:23**
